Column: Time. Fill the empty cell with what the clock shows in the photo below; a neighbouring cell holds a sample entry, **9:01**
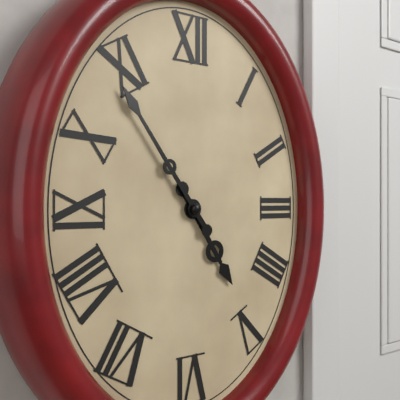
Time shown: **4:54**
